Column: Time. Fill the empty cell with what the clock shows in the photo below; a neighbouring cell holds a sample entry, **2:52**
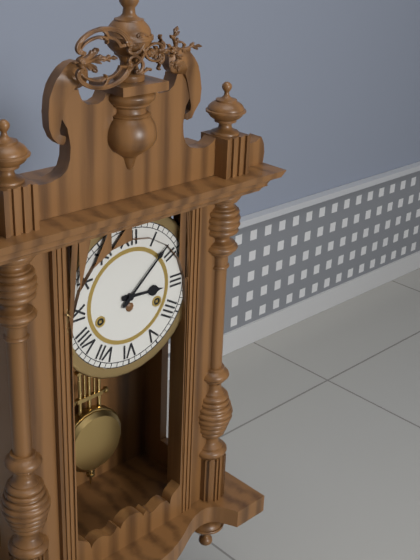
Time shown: **3:08**
